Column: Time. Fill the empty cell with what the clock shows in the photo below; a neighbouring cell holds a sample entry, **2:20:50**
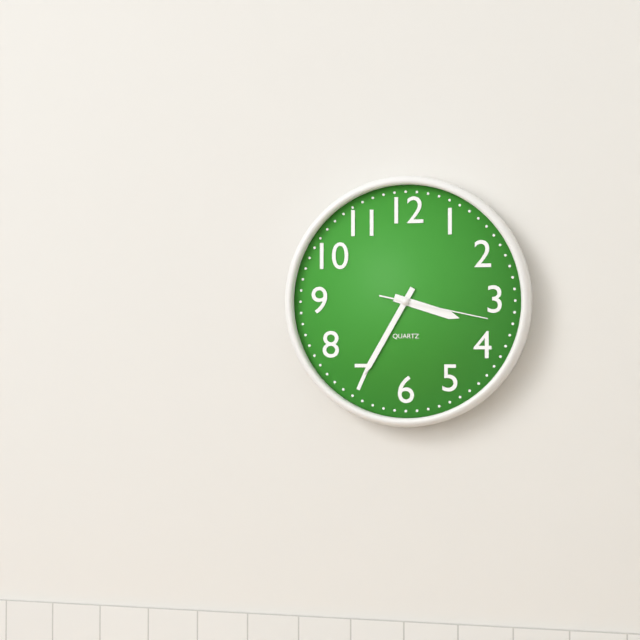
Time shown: **3:35:17**
